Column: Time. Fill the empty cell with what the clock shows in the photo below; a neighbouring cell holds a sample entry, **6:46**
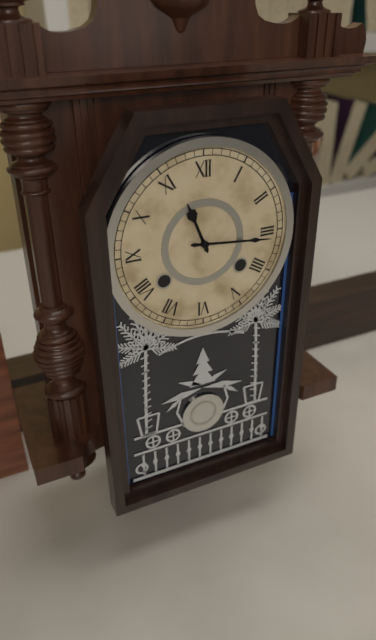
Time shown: **11:16**
